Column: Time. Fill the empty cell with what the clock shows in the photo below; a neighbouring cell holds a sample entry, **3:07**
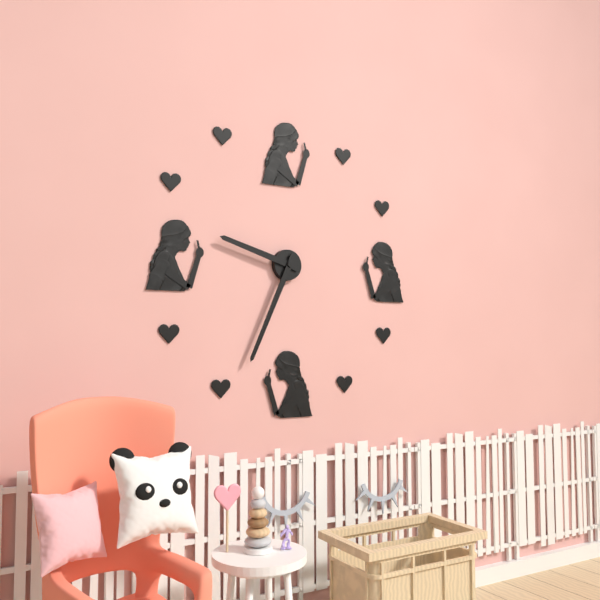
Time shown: **9:34**
